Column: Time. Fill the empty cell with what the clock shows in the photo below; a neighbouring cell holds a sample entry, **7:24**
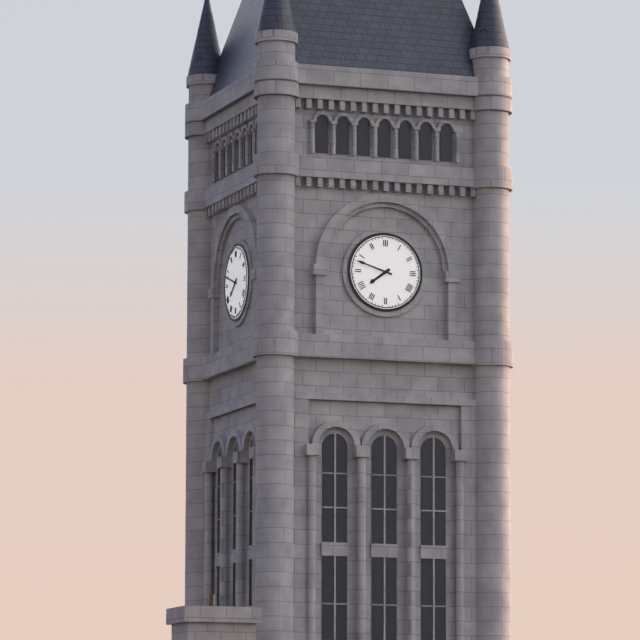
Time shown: **7:48**
